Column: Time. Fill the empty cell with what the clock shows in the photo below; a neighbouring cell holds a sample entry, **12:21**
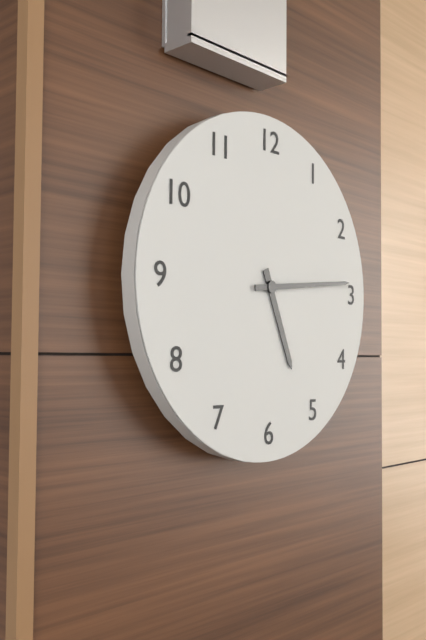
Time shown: **5:14**
